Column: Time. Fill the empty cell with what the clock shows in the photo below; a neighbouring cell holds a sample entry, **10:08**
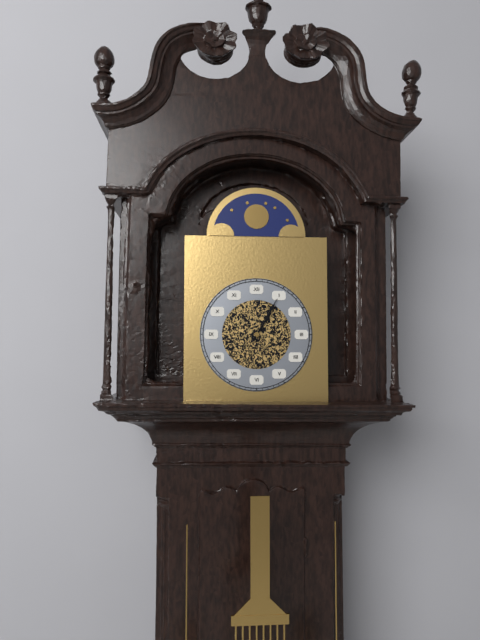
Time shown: **1:05**
